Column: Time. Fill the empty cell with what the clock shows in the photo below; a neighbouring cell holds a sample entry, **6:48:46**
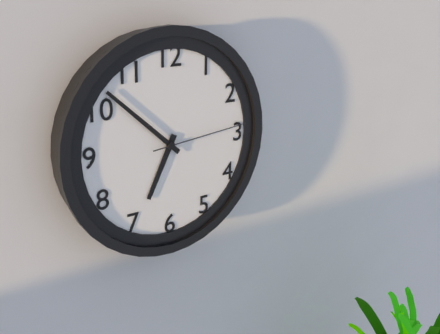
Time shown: **6:52:14**
